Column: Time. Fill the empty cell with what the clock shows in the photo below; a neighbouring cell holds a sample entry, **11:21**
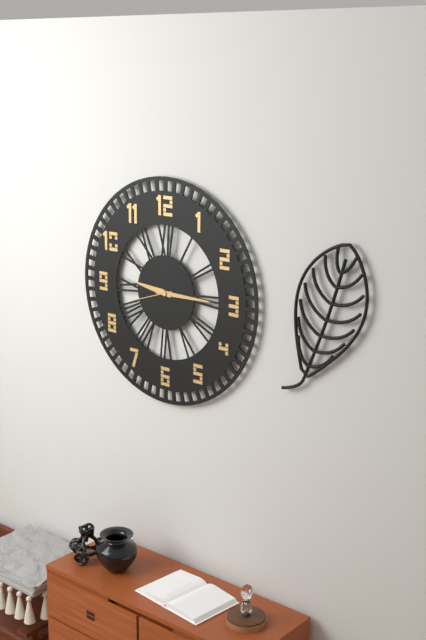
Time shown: **9:15**
